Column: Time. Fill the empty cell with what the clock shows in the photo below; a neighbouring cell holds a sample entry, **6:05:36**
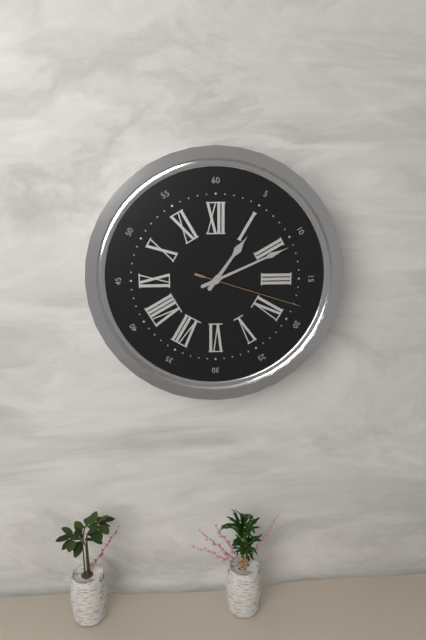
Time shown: **1:11:18**
